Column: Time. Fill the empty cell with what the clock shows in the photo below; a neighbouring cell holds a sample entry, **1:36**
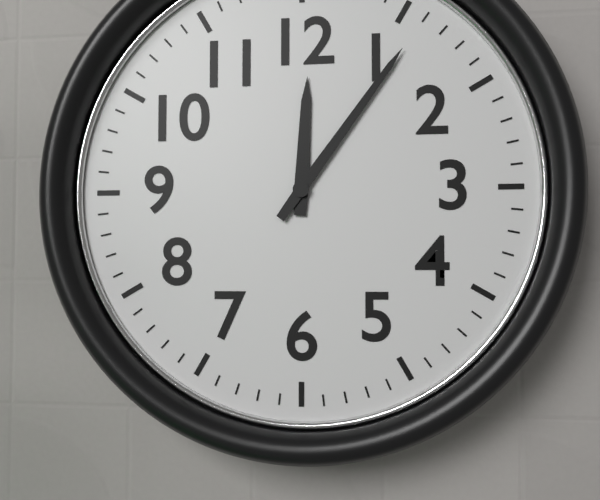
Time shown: **12:06**
